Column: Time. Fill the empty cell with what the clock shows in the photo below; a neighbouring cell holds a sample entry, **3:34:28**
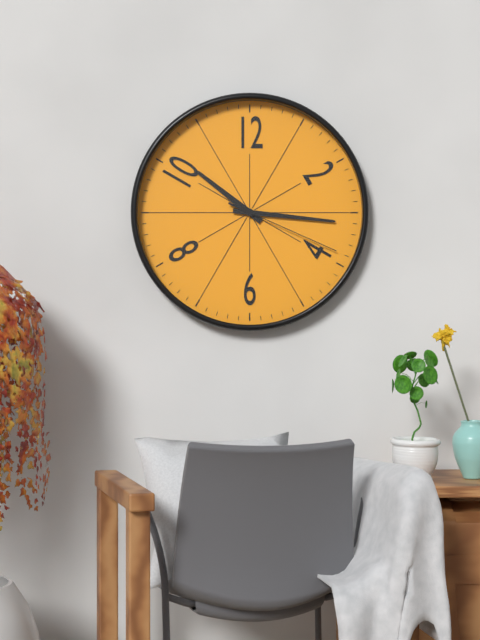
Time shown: **10:16:19**
